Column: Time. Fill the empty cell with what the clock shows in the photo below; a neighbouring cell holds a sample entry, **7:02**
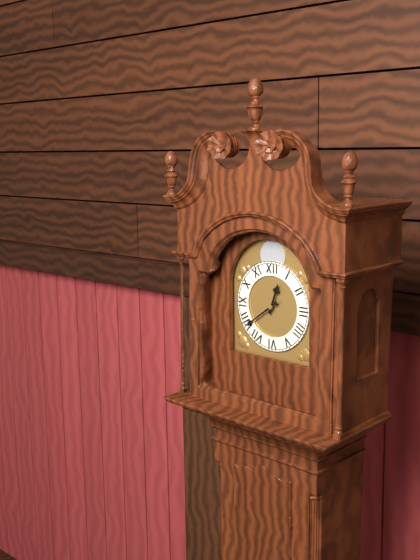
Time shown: **12:39**
